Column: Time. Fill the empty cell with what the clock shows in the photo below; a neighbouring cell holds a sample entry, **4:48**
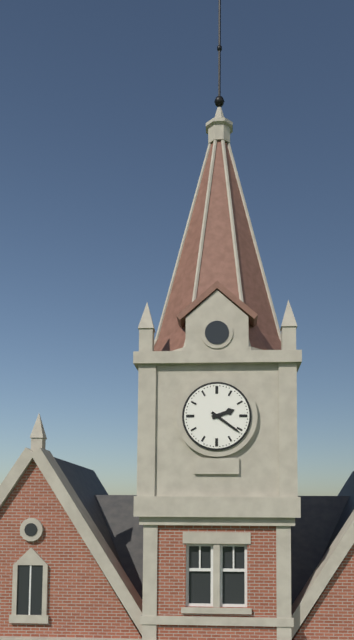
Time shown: **2:21**
